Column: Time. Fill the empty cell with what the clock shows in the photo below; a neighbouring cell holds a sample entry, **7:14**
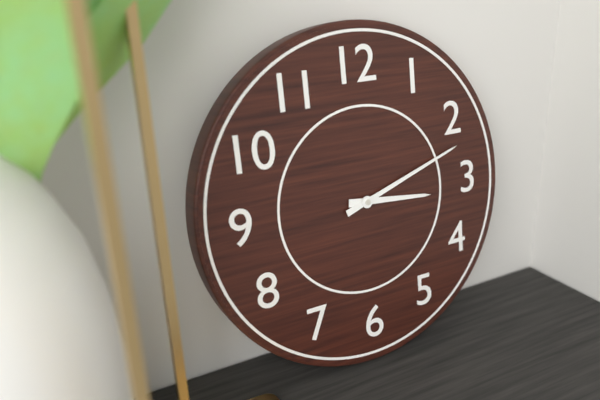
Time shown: **3:12**
